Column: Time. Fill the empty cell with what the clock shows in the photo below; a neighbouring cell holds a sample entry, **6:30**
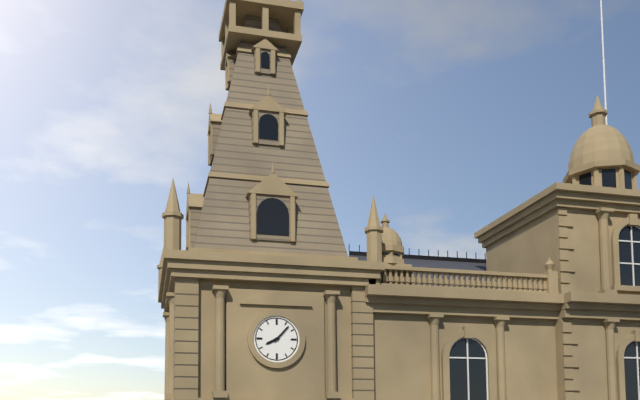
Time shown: **8:07**
